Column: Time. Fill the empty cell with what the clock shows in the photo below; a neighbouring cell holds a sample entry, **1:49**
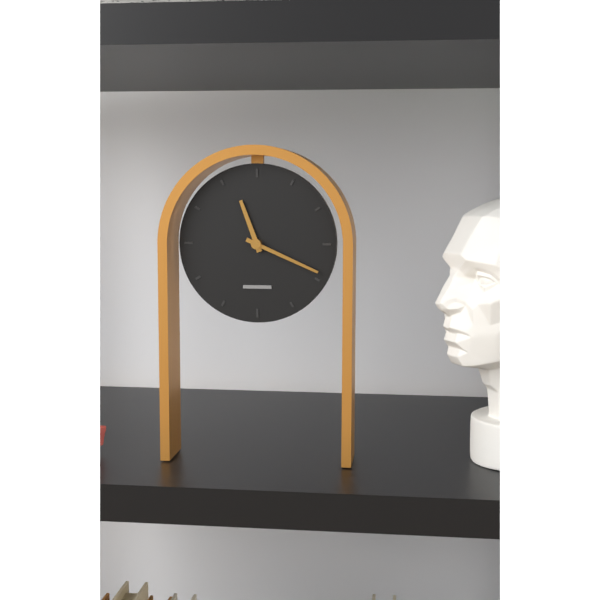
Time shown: **11:19**
